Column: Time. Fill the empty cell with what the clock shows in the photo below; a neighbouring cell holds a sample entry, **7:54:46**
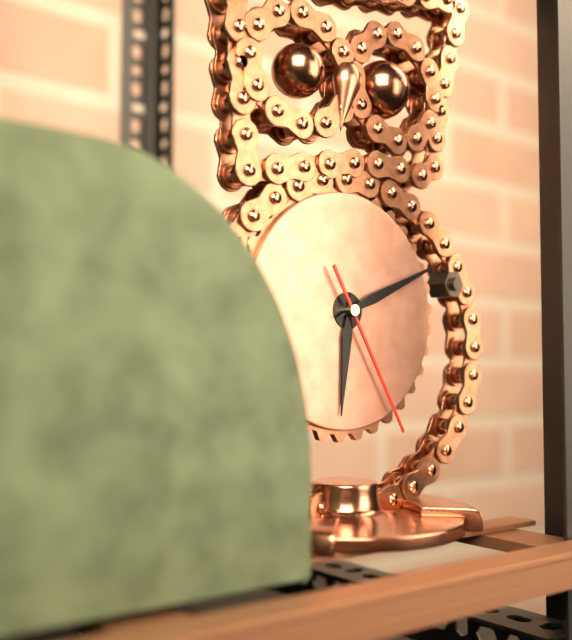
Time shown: **6:11:25**
